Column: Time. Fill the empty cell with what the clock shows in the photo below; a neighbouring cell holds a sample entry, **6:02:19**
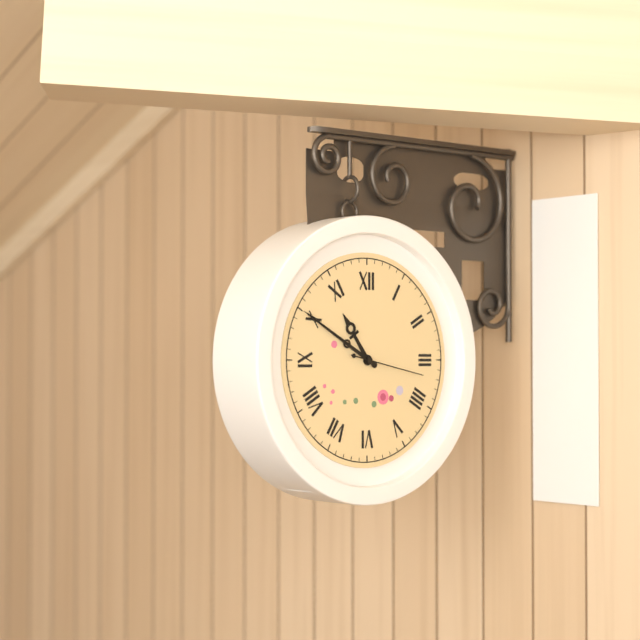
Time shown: **10:50:17**
